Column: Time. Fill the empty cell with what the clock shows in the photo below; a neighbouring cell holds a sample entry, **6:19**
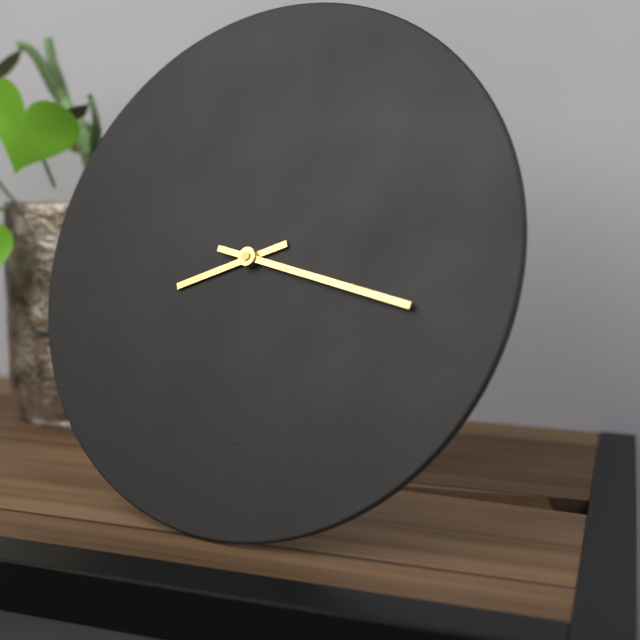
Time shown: **8:17**
